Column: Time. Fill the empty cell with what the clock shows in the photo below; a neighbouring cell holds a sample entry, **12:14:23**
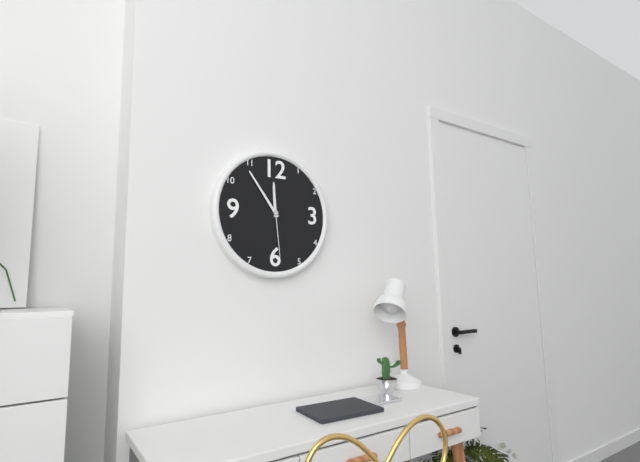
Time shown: **11:54:29**
